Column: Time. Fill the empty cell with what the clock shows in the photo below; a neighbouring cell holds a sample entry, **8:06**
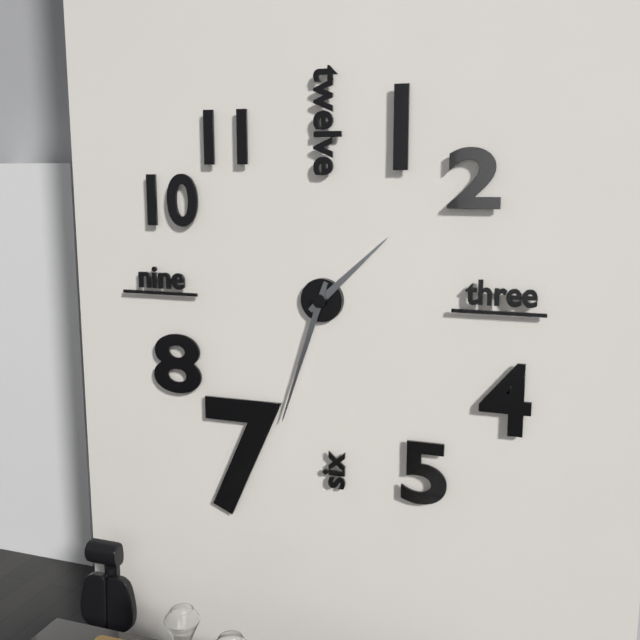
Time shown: **1:33**
